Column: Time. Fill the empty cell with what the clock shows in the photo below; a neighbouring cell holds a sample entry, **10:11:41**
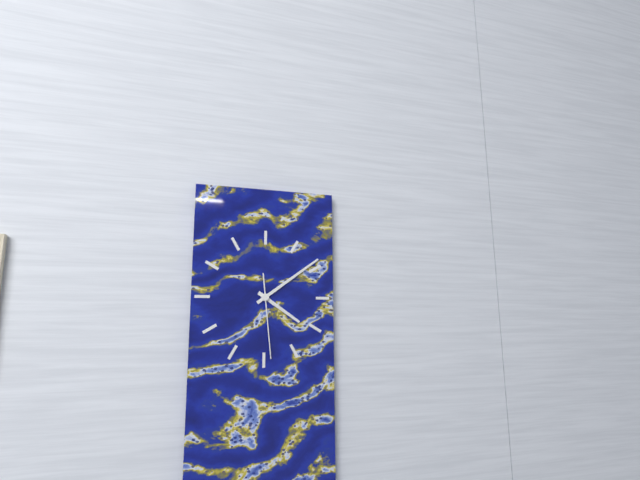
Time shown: **4:09:29**
